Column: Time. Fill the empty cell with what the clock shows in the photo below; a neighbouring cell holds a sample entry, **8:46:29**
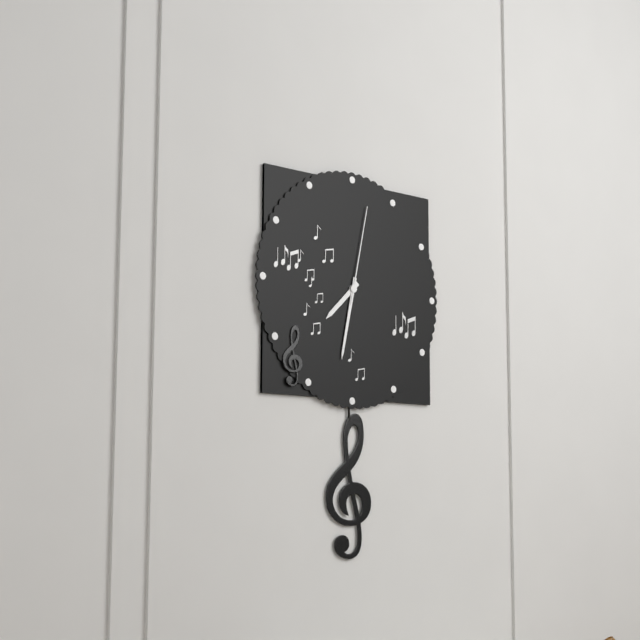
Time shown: **7:32:02**
